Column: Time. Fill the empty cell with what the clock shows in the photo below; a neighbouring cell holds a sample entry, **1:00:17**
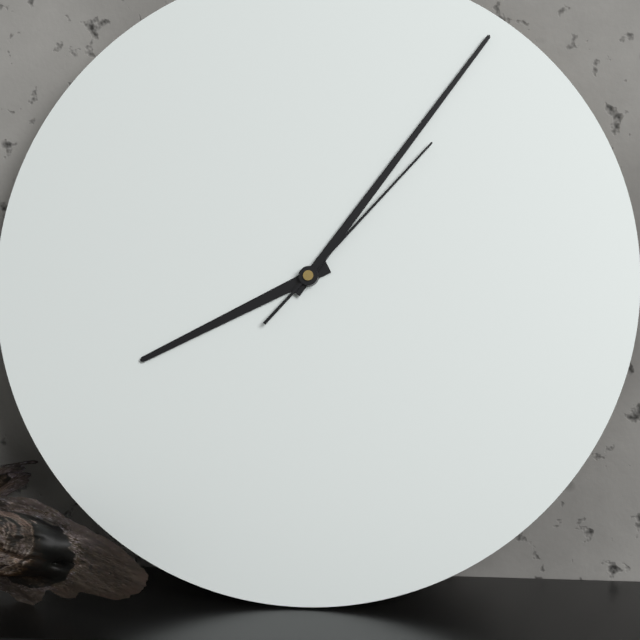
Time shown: **8:06:07**
